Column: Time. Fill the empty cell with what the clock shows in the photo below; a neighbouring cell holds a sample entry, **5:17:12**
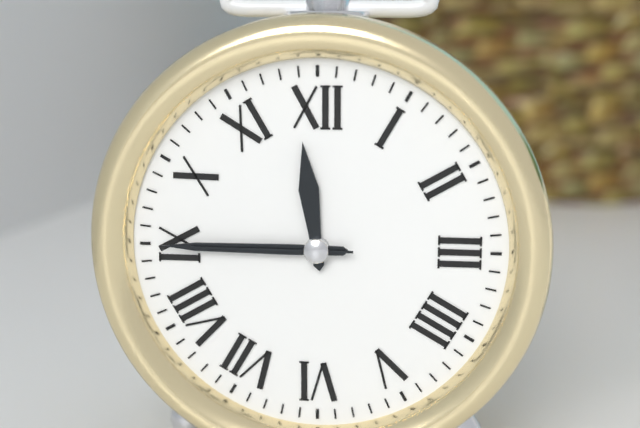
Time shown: **11:45:45**
